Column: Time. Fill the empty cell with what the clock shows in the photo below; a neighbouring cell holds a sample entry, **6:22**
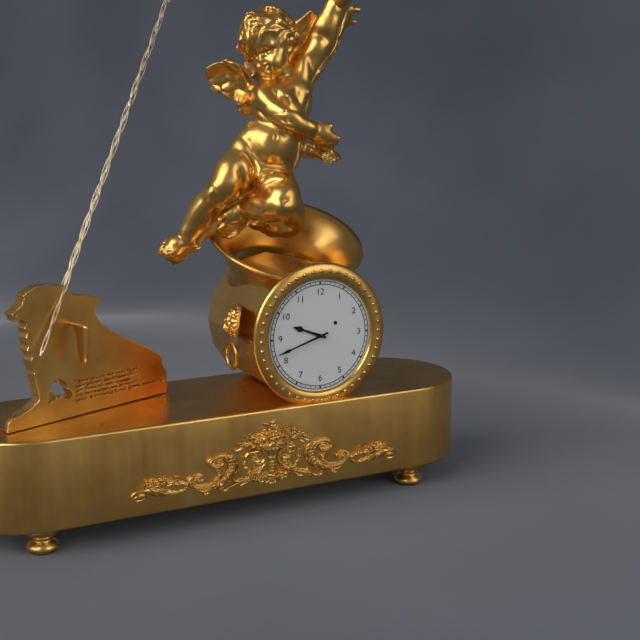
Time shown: **9:42**
